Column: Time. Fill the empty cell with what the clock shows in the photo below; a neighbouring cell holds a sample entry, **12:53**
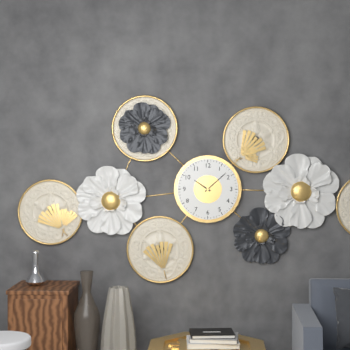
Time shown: **10:08**
